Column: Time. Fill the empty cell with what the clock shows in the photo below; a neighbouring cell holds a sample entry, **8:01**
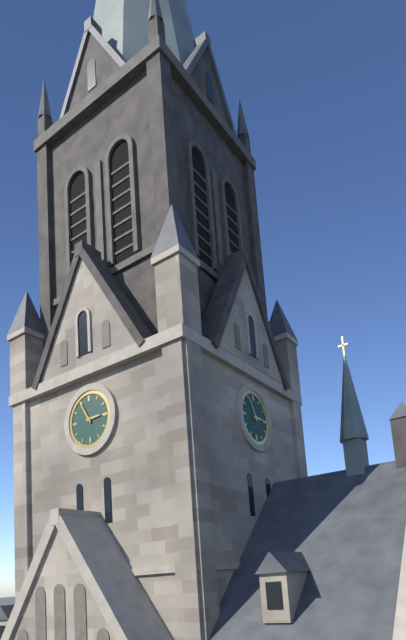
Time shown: **2:55**
